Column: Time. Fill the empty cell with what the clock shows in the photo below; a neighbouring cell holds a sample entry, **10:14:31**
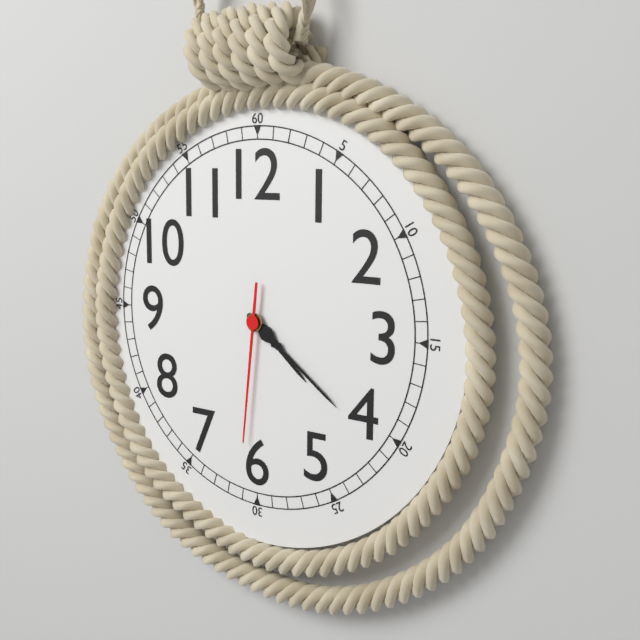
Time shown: **4:21:31**
